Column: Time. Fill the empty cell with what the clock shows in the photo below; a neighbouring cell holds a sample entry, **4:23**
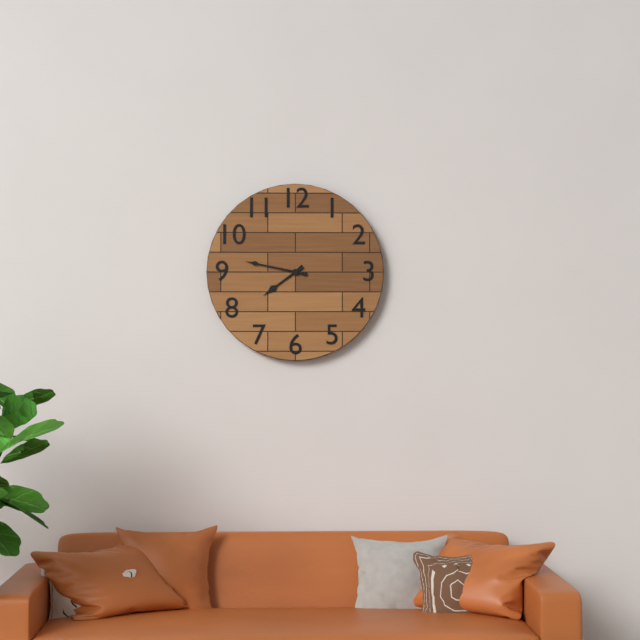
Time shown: **7:47**
